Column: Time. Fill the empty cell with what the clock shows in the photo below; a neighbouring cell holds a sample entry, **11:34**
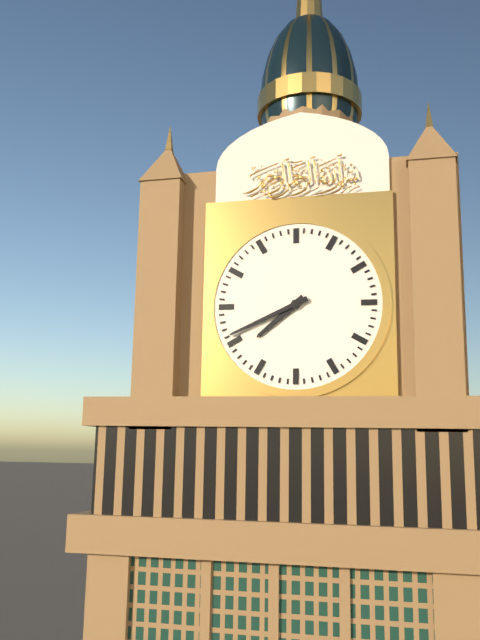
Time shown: **7:41**
